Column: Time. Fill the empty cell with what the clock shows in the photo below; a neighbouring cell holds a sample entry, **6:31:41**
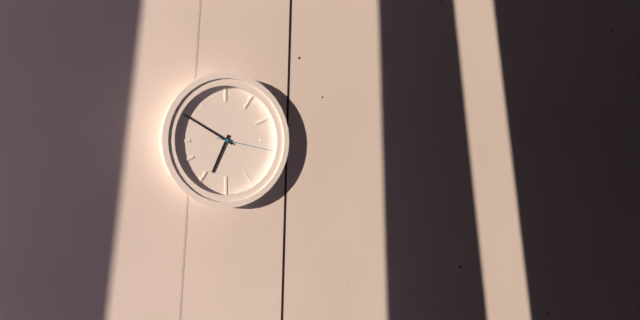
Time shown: **6:50:17**
